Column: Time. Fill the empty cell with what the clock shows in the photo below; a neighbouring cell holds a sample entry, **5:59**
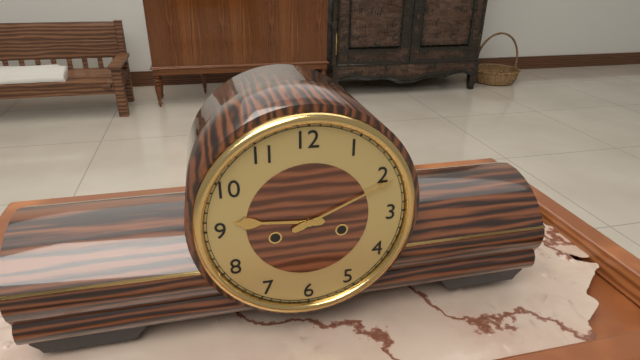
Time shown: **9:11**
